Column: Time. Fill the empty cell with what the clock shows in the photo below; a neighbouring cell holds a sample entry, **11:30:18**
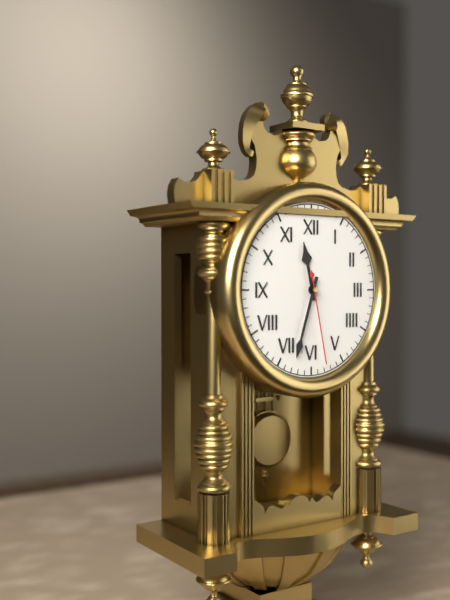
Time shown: **11:33:28**
